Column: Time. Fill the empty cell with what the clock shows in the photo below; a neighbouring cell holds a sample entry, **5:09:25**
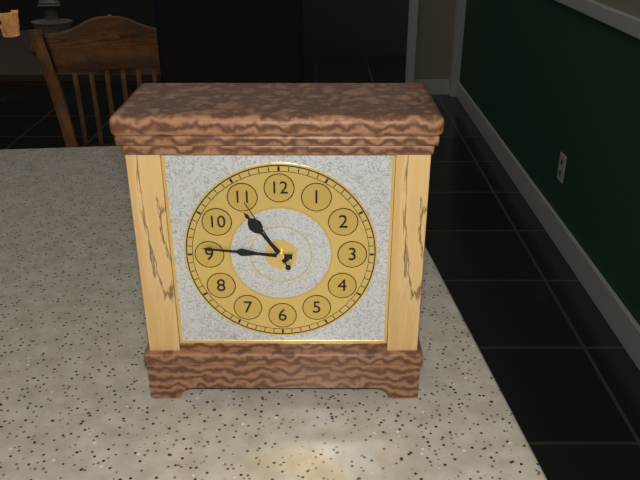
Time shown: **10:46:55**
